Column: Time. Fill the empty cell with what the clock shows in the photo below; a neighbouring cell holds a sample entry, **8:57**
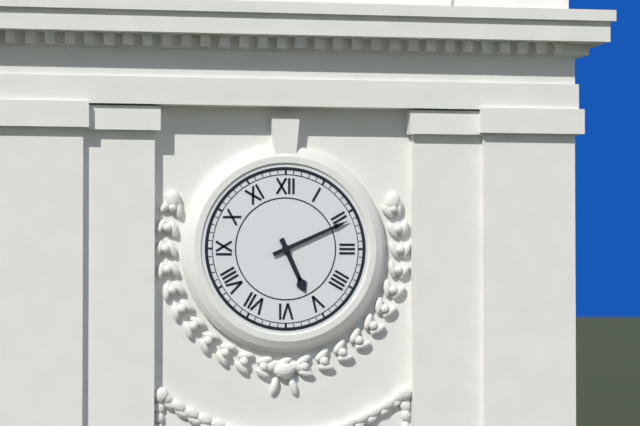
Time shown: **5:11**
